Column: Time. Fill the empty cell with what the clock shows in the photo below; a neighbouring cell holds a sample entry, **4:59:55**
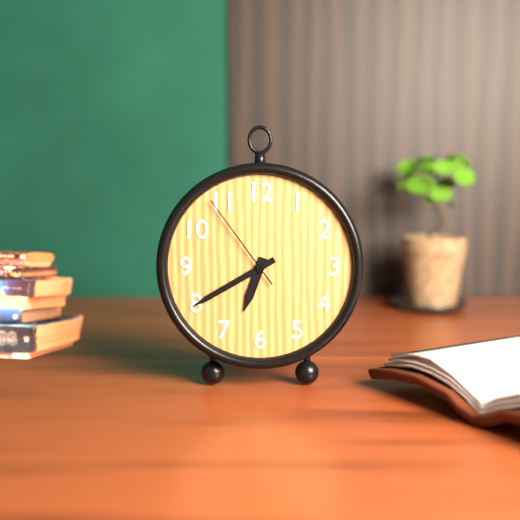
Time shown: **6:40:54**
